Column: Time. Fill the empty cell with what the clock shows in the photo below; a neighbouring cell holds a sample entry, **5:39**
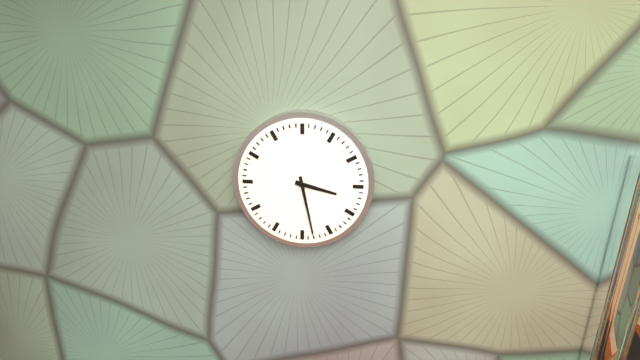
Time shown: **3:28**
